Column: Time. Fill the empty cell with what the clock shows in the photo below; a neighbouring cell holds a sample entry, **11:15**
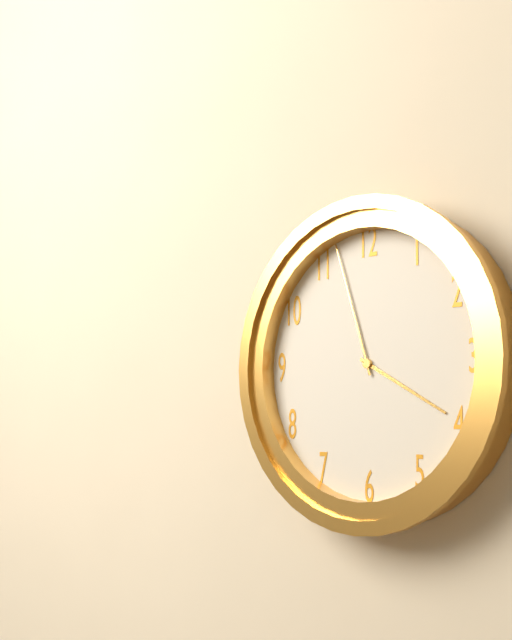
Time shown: **3:57**
